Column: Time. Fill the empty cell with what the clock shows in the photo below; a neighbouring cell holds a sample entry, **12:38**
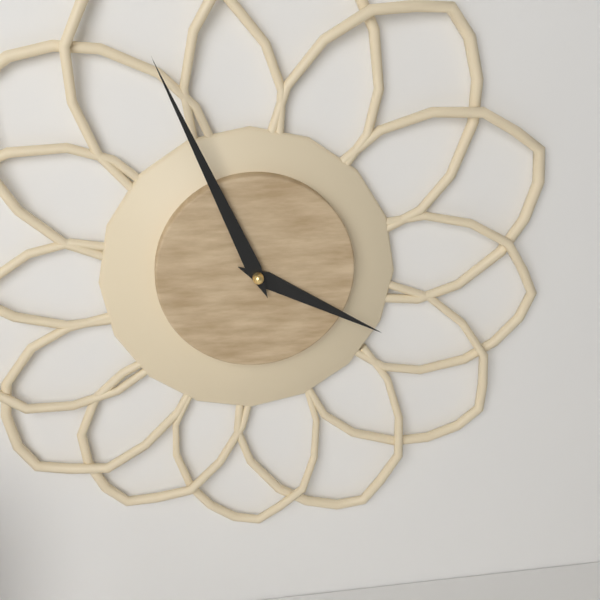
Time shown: **3:56**
